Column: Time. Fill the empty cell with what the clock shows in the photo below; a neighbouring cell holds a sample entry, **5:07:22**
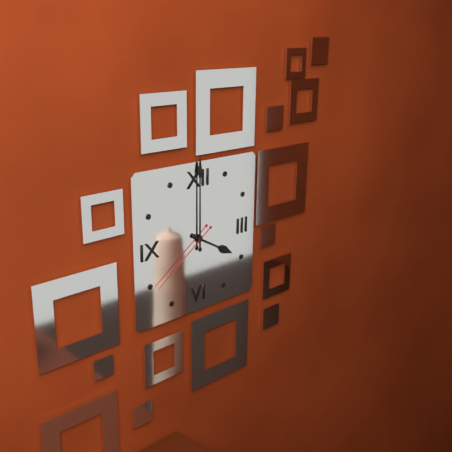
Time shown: **4:00:39**
